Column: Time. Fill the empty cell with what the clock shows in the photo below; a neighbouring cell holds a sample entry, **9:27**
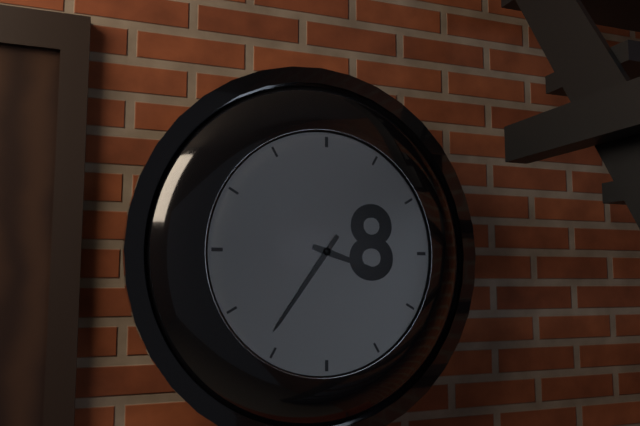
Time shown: **3:36**
